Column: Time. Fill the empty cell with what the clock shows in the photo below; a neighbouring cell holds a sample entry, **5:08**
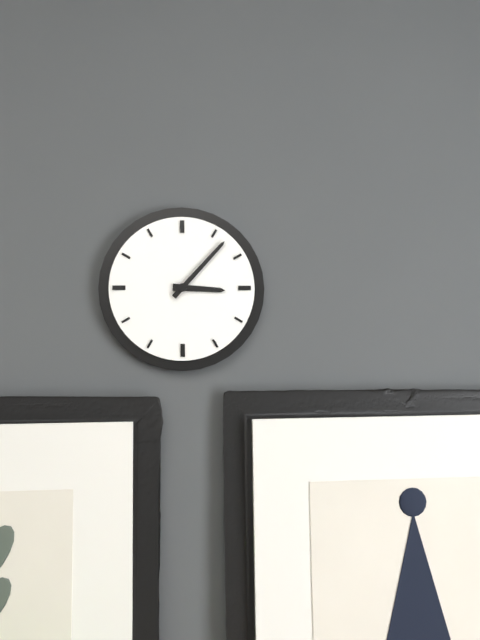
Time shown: **3:07**
